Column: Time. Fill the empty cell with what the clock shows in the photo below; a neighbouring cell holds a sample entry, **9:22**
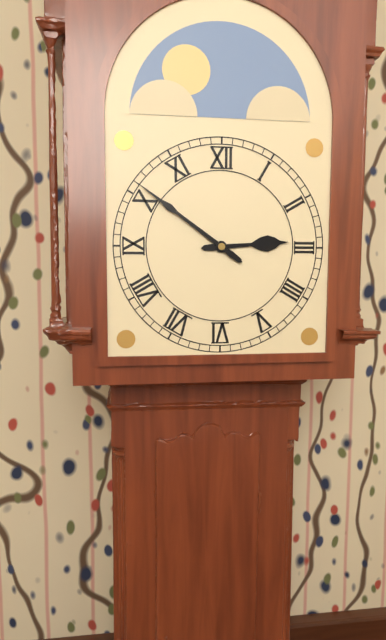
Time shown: **2:51**
